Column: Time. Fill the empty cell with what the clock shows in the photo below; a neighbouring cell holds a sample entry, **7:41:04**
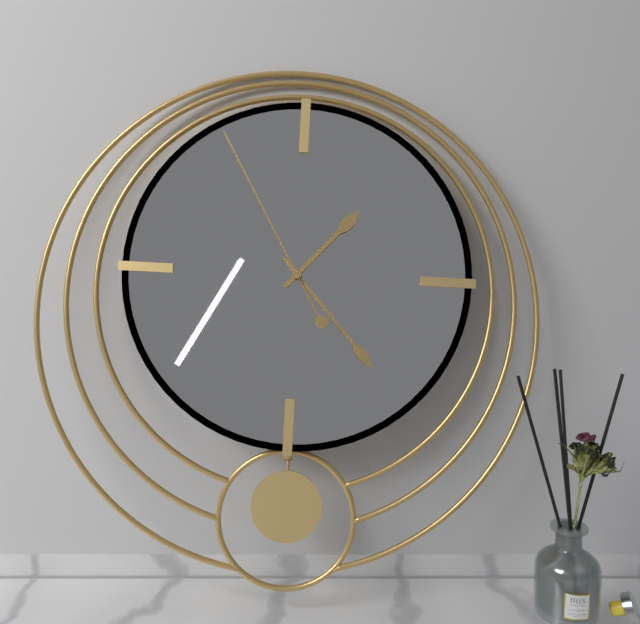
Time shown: **1:23:55**
